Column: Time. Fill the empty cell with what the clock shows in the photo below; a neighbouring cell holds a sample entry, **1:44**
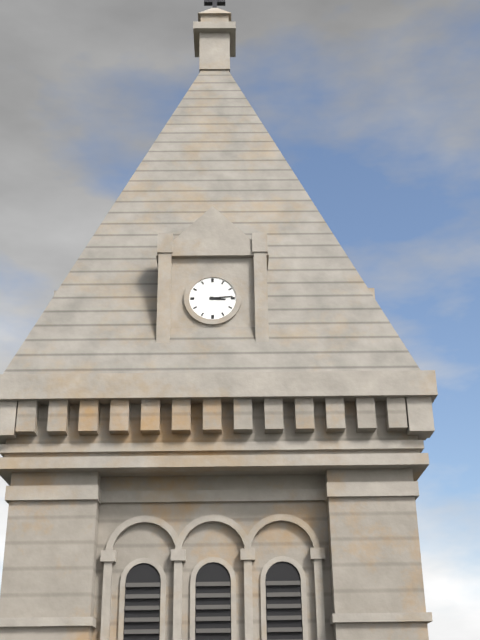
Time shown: **3:14**
